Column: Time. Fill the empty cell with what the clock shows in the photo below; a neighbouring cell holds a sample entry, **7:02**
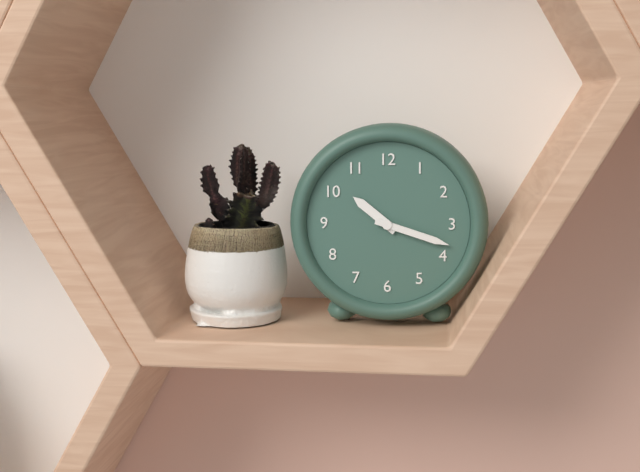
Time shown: **10:18**
